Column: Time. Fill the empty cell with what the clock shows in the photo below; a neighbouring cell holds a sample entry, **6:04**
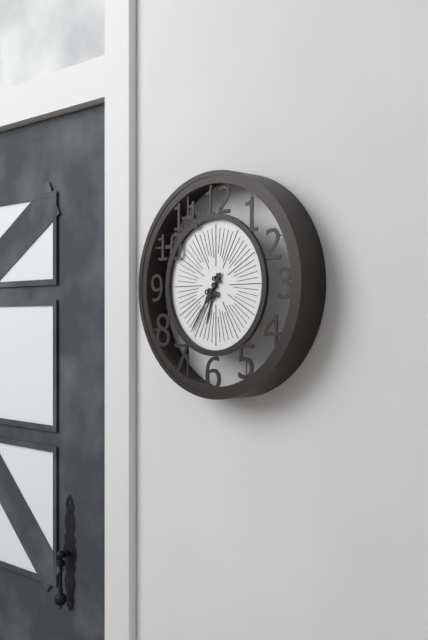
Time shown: **6:36**
